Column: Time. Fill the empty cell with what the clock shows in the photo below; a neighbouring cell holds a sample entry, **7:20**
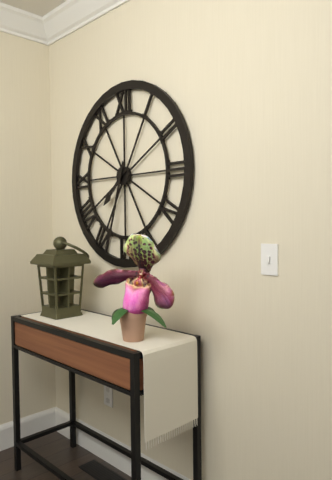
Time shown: **7:33**
